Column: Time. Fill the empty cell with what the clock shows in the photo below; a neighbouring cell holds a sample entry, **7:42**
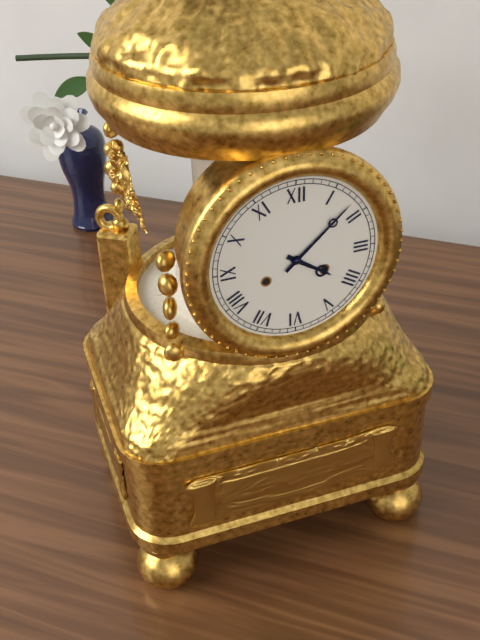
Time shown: **4:08**
